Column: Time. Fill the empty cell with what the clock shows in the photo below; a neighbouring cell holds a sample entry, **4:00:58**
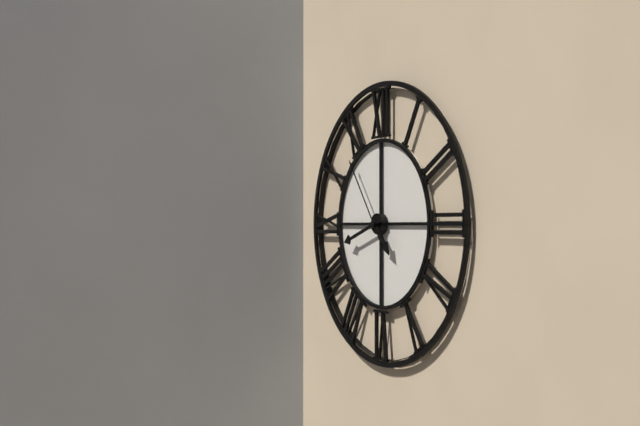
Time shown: **4:42:54**
